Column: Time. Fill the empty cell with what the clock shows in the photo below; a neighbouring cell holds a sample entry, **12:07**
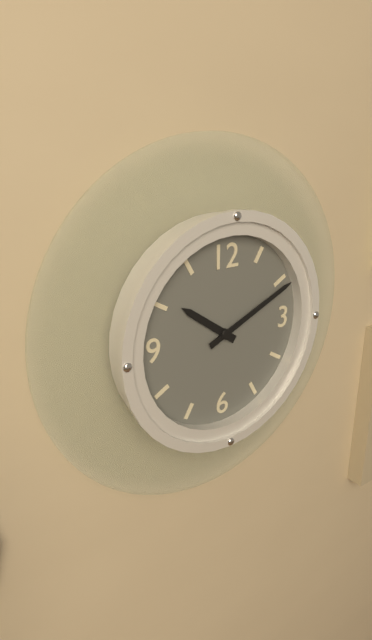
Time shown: **10:11**
